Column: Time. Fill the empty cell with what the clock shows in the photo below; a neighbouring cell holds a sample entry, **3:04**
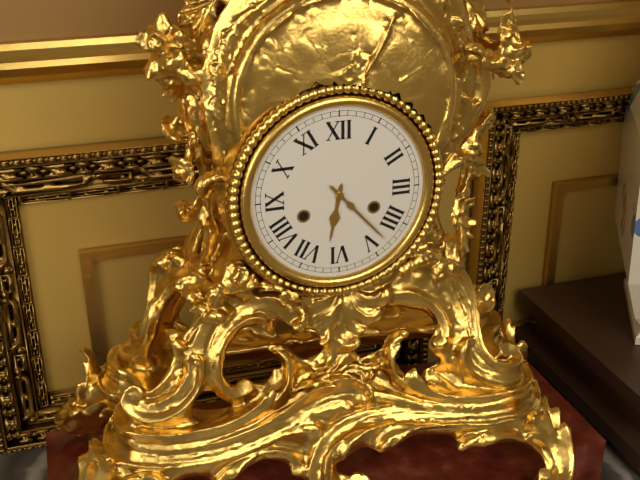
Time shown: **6:23**
